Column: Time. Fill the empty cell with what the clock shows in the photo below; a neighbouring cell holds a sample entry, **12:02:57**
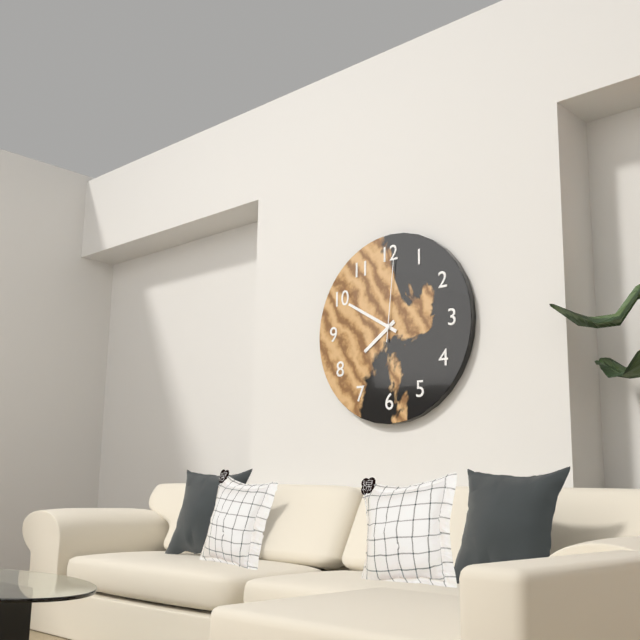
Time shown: **7:50:01**
